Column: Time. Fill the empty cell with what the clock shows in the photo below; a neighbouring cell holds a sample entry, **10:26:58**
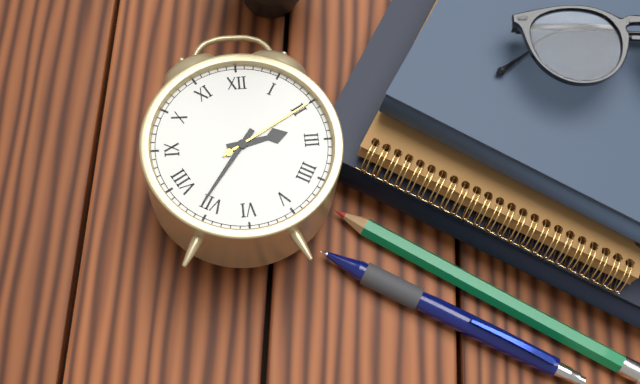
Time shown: **2:36:10**
